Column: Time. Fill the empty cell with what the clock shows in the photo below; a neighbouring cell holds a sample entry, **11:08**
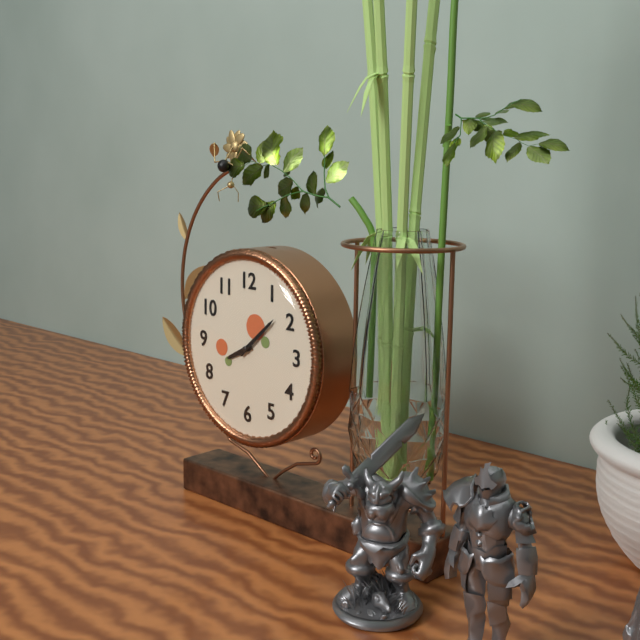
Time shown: **8:08**
